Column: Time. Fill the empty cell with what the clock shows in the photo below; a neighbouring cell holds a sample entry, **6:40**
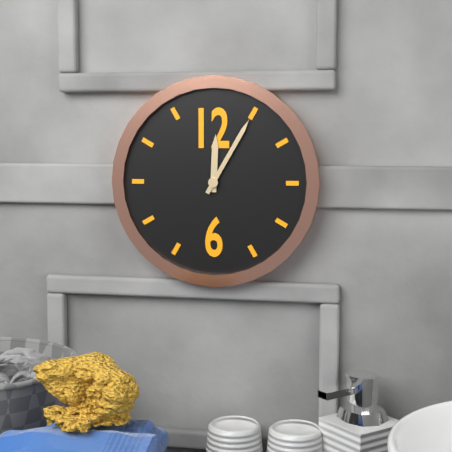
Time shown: **12:05**
